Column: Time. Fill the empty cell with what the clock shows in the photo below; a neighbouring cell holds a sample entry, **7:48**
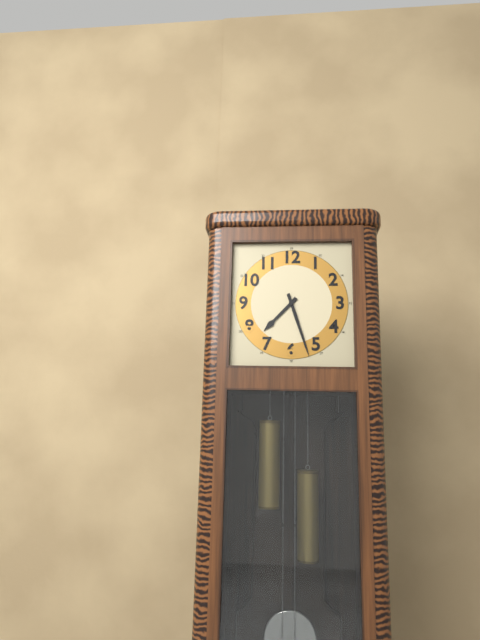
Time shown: **7:27**
